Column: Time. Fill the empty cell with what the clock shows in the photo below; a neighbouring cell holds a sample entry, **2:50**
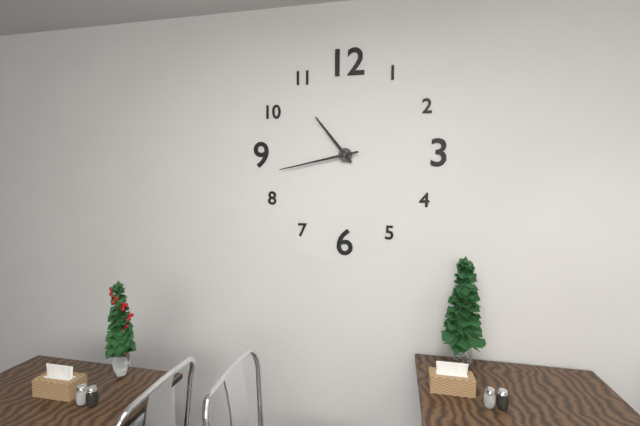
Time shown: **10:43**
